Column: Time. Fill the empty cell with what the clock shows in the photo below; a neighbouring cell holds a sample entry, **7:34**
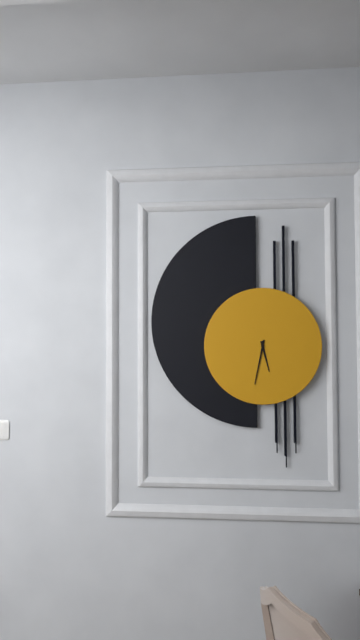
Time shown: **5:32**
